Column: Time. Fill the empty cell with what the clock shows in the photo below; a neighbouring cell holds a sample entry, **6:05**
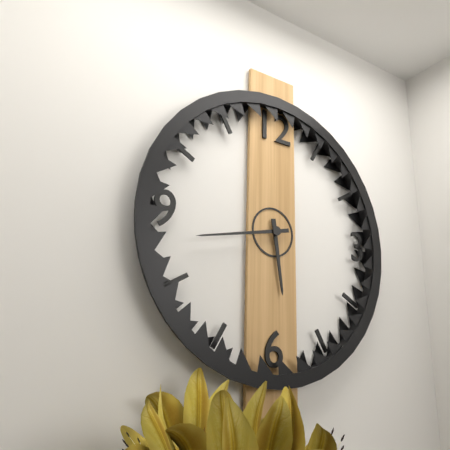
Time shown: **5:43**
